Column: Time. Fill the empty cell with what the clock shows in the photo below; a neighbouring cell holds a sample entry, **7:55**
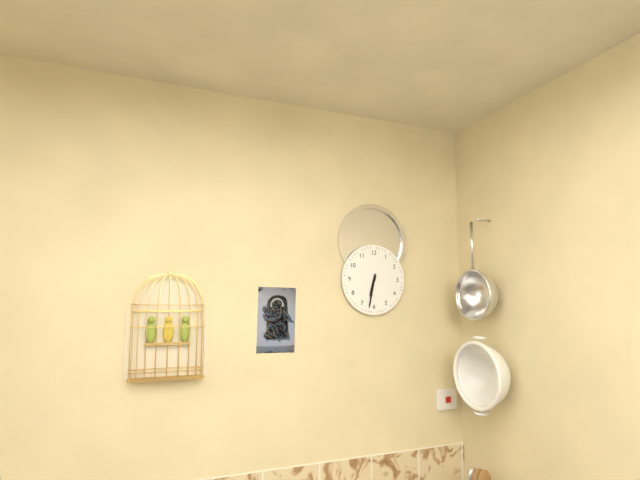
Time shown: **6:32**
